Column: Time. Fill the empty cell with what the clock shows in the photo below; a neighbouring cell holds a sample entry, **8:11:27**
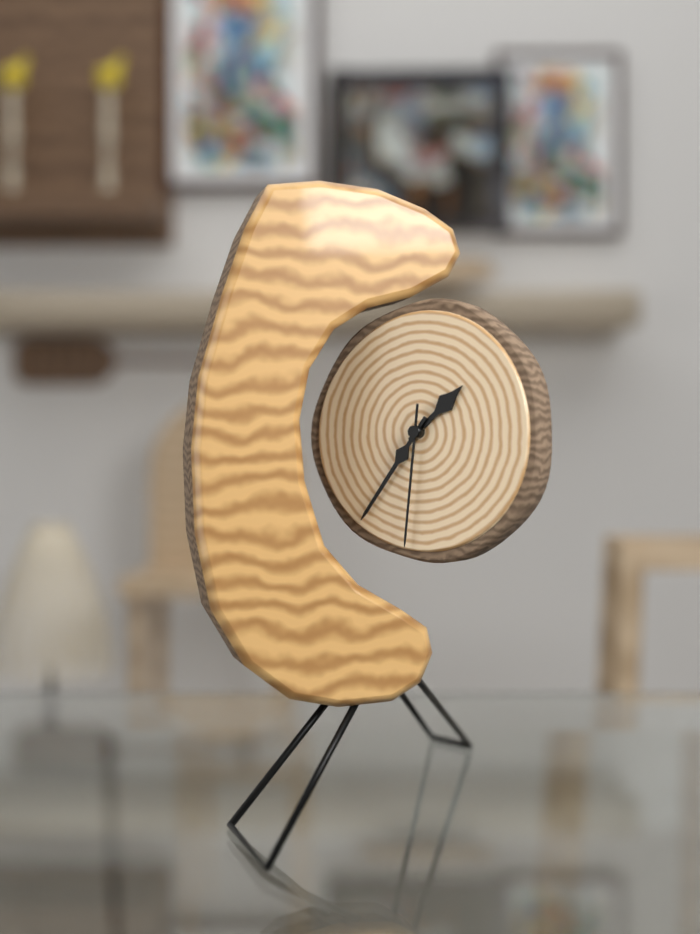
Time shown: **1:36:31**
